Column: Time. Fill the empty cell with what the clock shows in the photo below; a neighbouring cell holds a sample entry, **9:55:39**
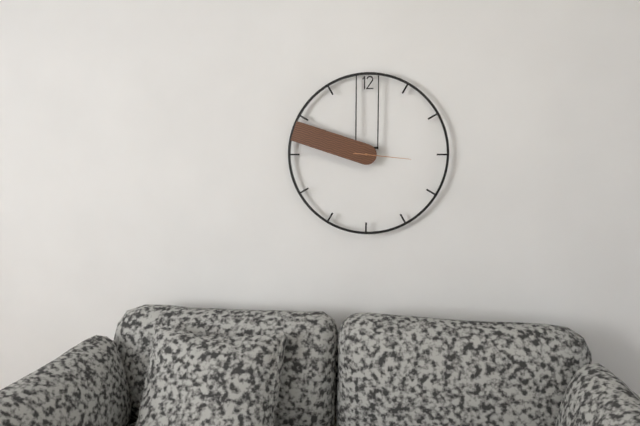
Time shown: **9:48:16**
